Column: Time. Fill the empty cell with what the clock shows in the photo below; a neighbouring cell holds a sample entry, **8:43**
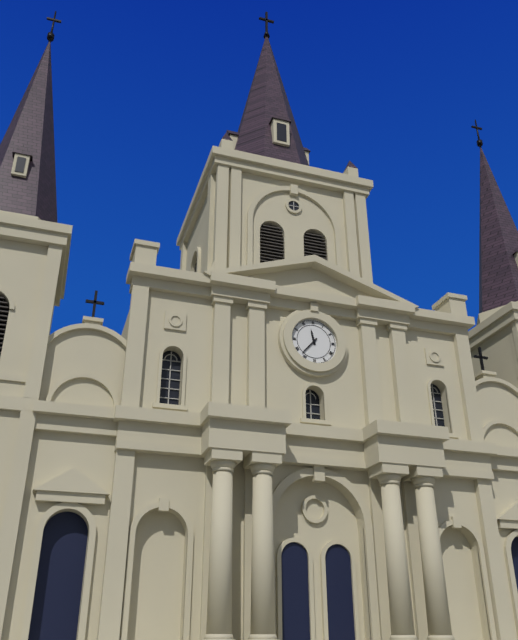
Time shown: **11:37**
